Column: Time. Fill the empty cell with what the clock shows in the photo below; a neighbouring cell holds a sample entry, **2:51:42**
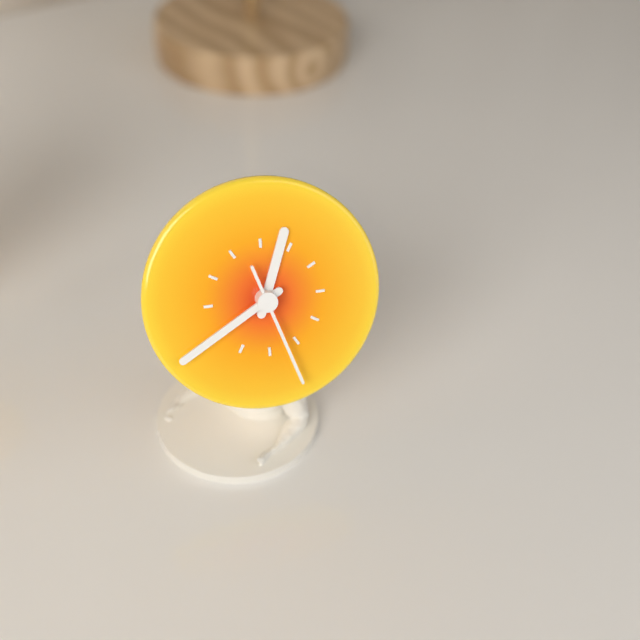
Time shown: **12:40:27**
